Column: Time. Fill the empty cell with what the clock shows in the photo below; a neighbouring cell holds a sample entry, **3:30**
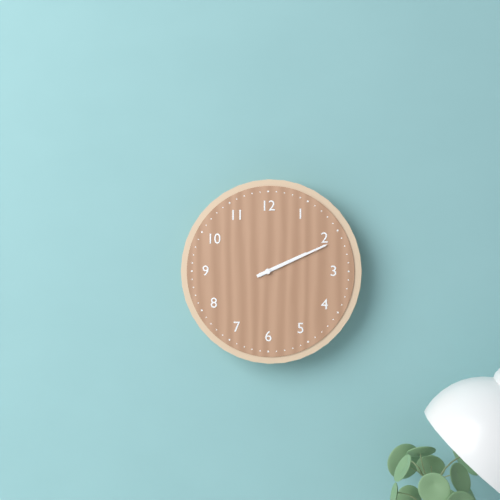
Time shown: **2:11**
